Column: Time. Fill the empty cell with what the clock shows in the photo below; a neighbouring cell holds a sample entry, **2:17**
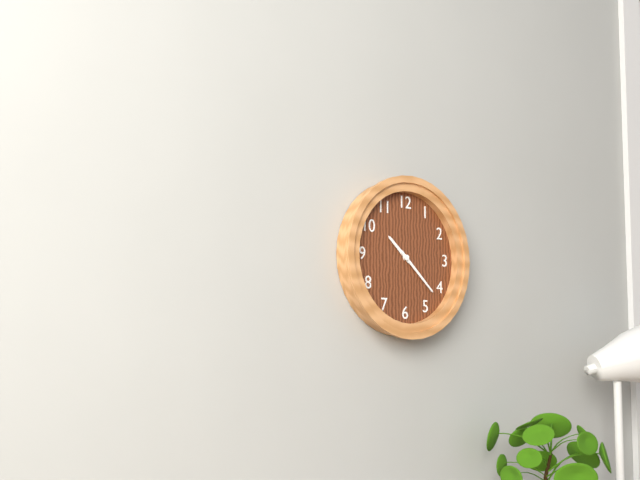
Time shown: **10:22**
